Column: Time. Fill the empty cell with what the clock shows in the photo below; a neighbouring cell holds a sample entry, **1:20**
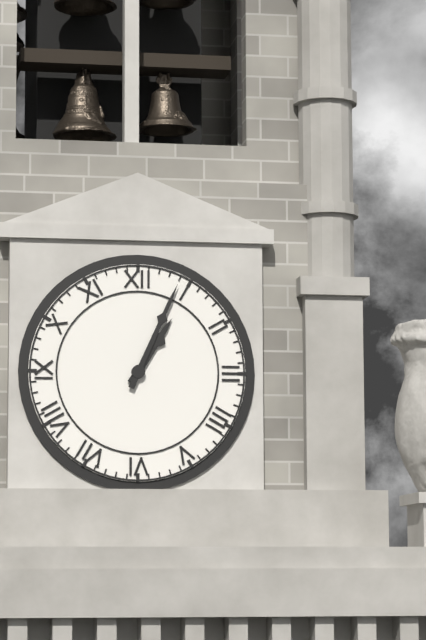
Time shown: **1:04**
